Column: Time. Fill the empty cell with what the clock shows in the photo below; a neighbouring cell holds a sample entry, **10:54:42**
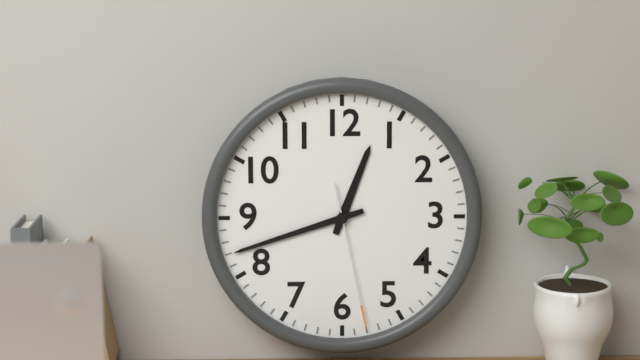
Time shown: **12:42:28**
